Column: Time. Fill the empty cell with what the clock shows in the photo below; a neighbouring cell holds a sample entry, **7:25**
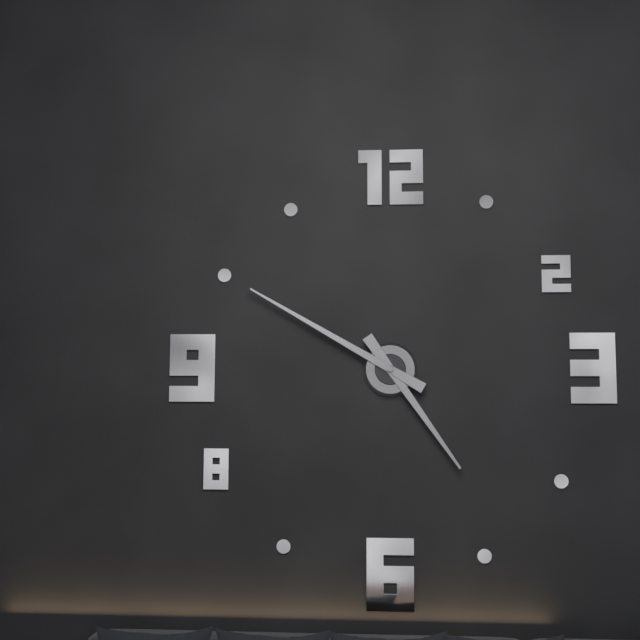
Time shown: **4:50**
